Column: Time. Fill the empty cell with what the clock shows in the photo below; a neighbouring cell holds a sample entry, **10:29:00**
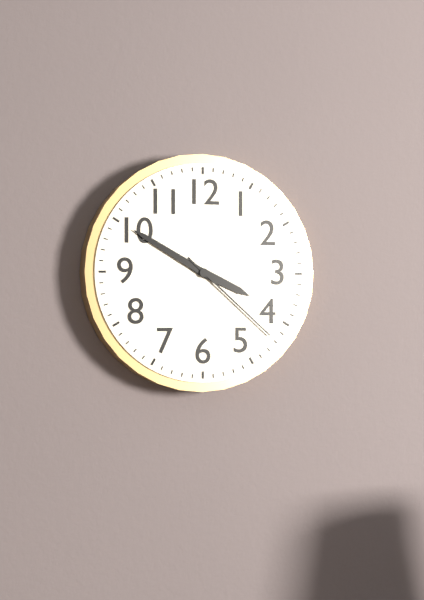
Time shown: **3:50:22**
